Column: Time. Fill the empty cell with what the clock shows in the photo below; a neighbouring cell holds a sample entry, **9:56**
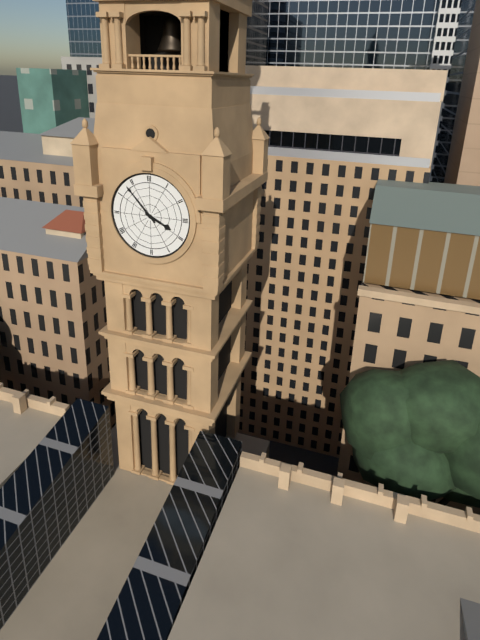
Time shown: **3:53**
